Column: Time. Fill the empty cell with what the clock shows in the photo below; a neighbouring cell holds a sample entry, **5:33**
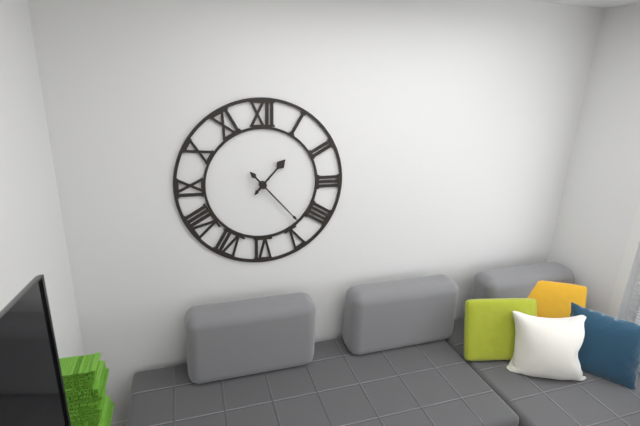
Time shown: **1:23**
